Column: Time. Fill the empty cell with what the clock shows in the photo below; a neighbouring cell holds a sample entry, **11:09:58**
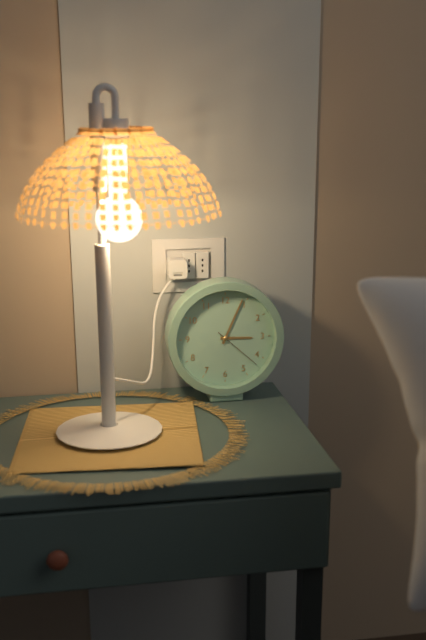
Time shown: **3:04:22**
